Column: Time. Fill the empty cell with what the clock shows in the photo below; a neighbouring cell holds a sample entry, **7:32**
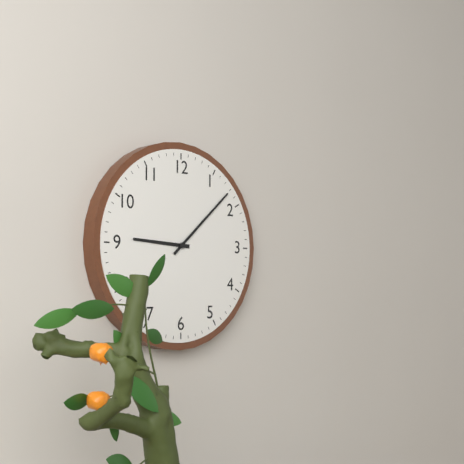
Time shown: **9:08**
